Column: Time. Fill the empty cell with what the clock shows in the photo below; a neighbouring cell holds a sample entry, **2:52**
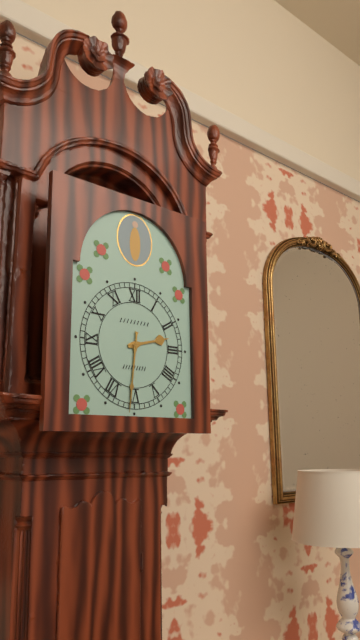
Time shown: **2:31**
